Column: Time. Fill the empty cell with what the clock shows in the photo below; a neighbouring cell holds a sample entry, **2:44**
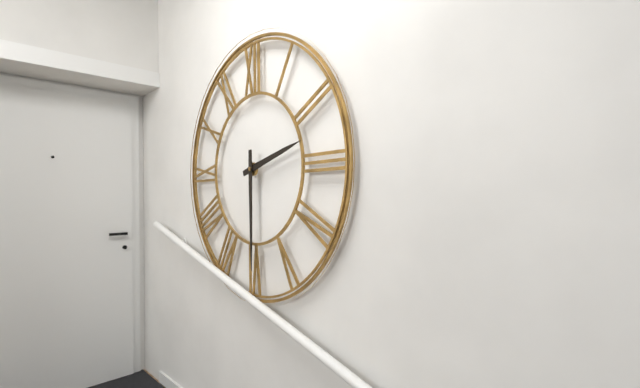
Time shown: **2:30**
